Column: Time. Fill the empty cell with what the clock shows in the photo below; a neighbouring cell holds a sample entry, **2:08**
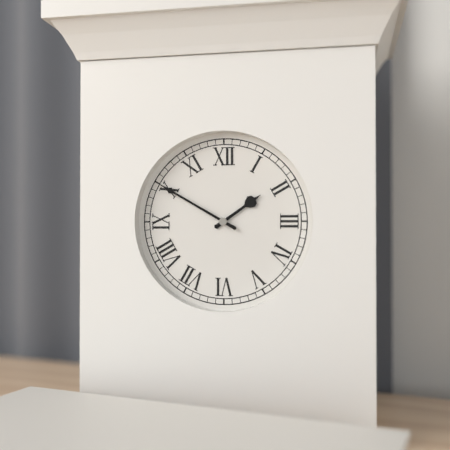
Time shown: **1:50**
